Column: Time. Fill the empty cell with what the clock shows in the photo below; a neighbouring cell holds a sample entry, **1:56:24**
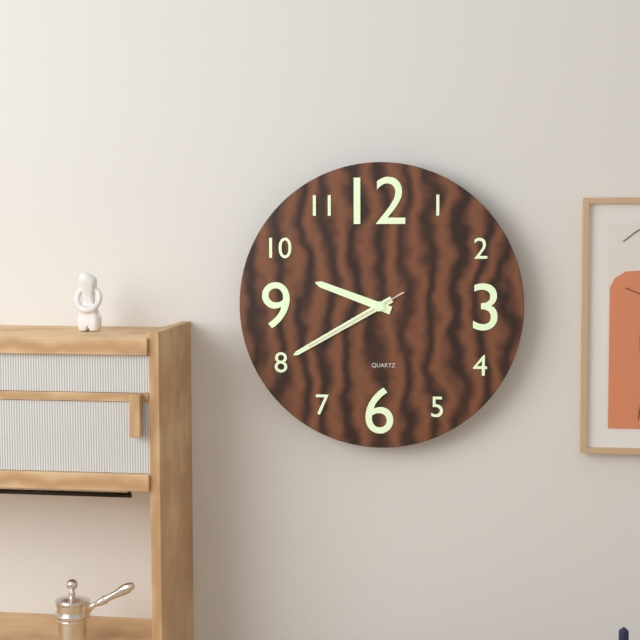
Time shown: **9:40:40**
